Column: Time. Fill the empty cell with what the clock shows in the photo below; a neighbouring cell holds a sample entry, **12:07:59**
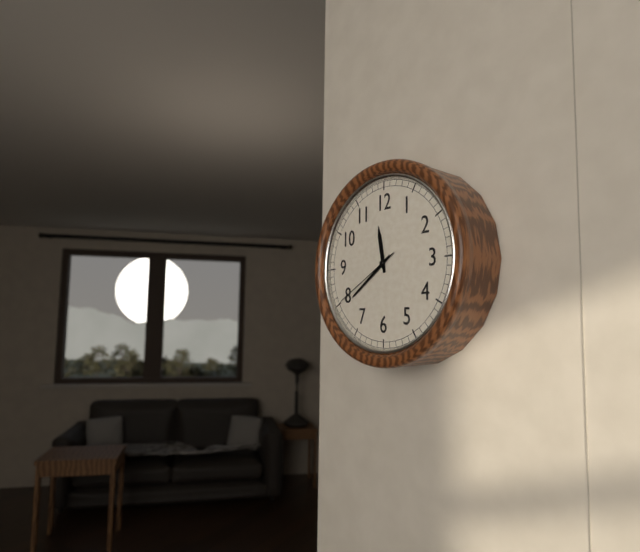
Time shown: **11:39:40**
